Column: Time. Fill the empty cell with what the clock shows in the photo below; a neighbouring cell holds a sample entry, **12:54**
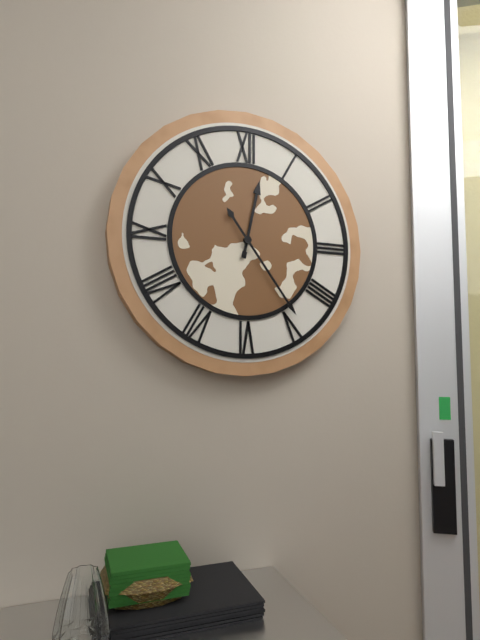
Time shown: **12:24**
